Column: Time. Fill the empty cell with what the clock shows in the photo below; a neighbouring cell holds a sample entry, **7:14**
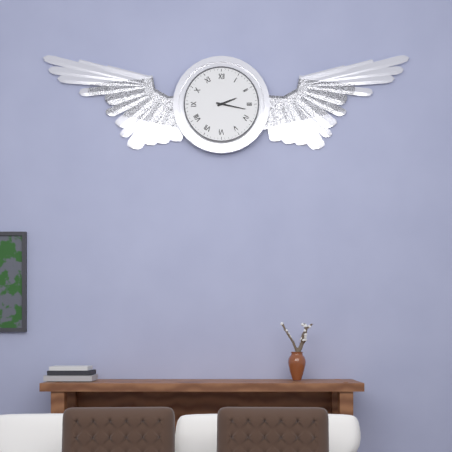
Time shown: **2:17**
